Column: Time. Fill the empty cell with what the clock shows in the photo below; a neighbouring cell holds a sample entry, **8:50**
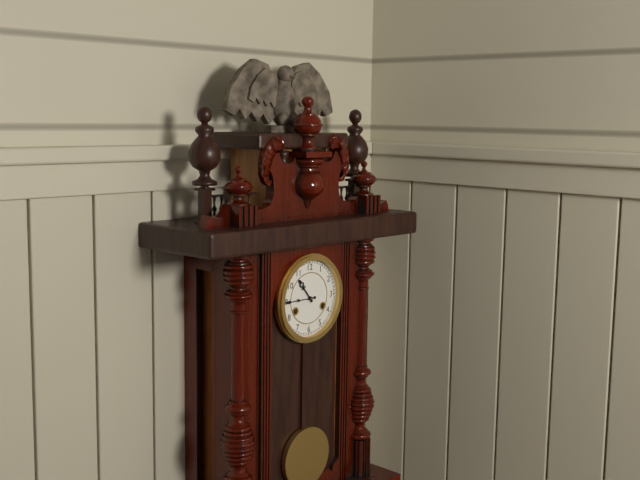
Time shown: **10:45**
